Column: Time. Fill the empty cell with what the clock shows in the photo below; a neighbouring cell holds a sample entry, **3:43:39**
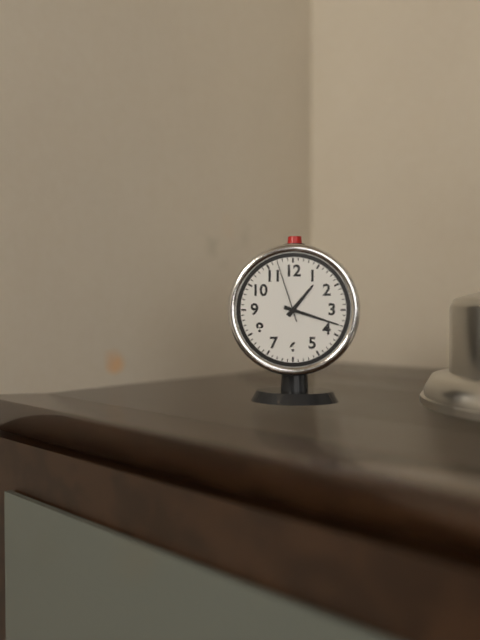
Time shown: **1:18:57**
